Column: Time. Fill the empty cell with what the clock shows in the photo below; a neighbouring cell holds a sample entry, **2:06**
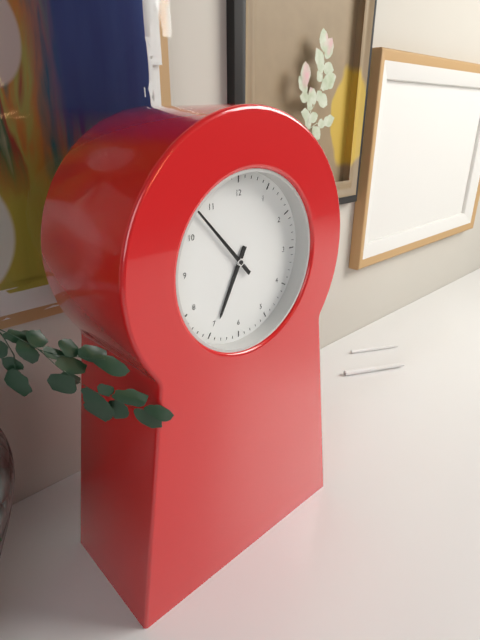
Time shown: **6:53**
